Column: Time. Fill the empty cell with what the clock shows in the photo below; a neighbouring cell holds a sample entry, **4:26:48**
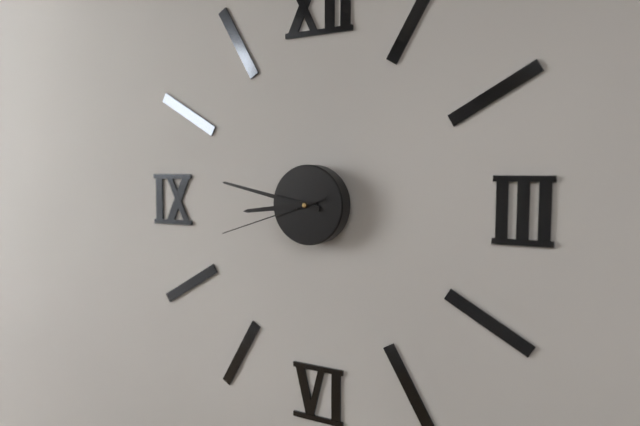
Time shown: **8:47:42**
